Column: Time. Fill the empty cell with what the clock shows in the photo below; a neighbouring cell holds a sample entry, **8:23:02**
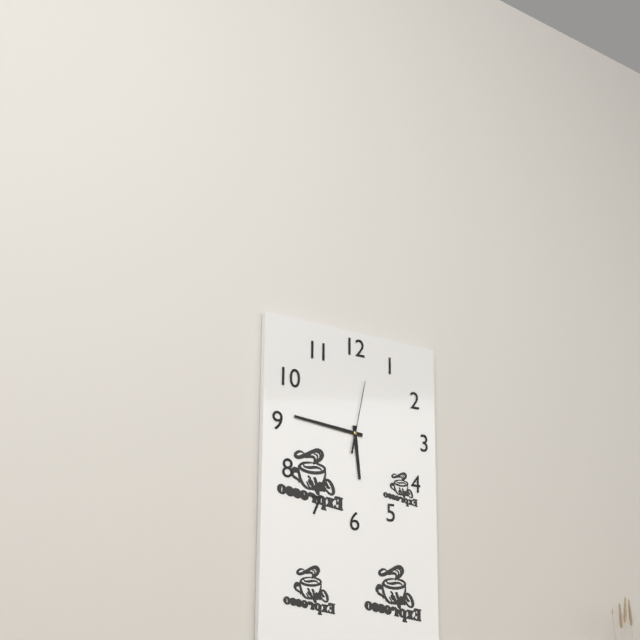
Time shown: **5:46:02**
